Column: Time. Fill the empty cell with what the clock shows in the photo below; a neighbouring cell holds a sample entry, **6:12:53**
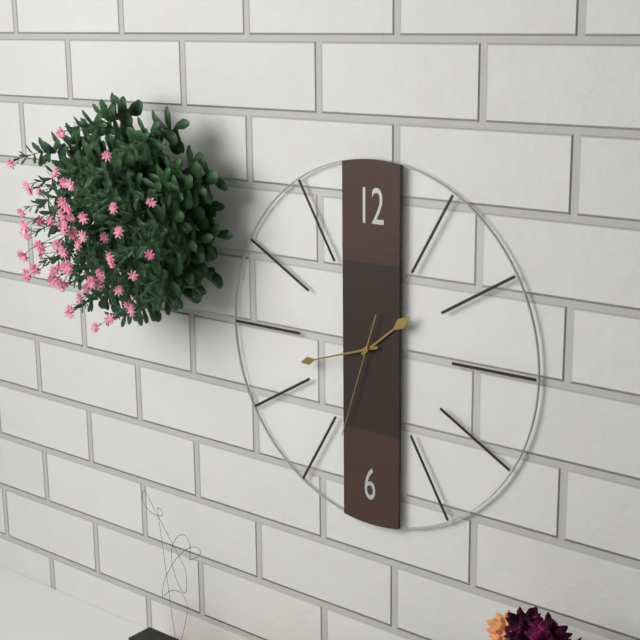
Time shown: **1:42:33**
